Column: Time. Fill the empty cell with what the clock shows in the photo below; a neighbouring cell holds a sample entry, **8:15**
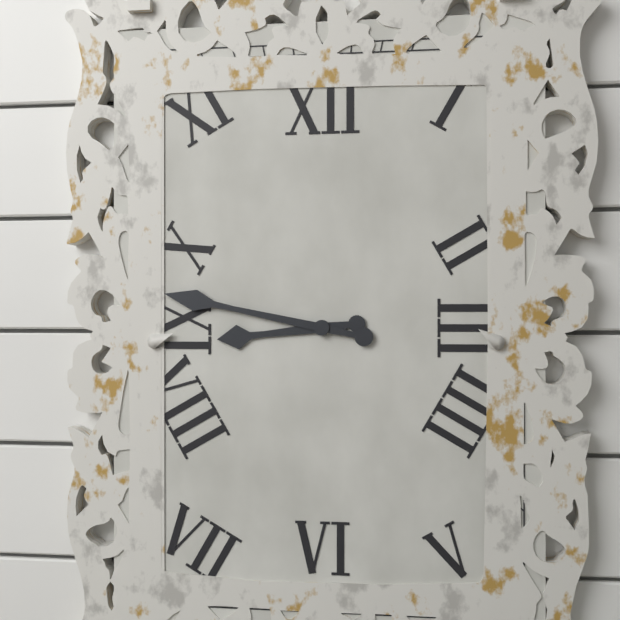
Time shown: **8:47**
